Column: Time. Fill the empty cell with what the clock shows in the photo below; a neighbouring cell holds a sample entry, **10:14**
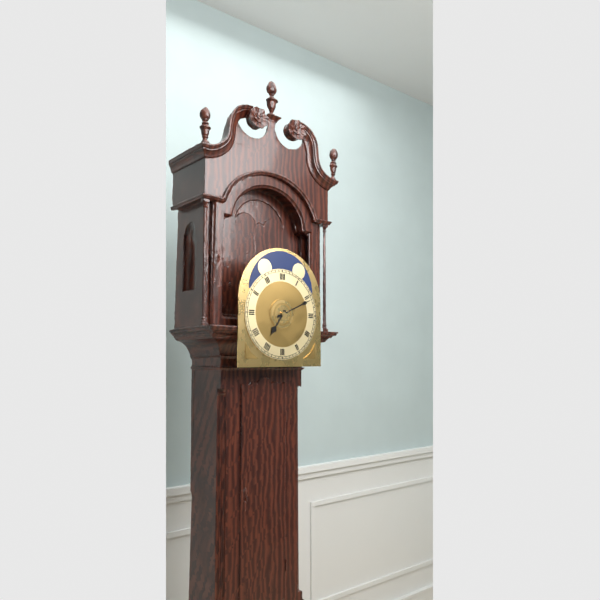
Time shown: **7:11**
